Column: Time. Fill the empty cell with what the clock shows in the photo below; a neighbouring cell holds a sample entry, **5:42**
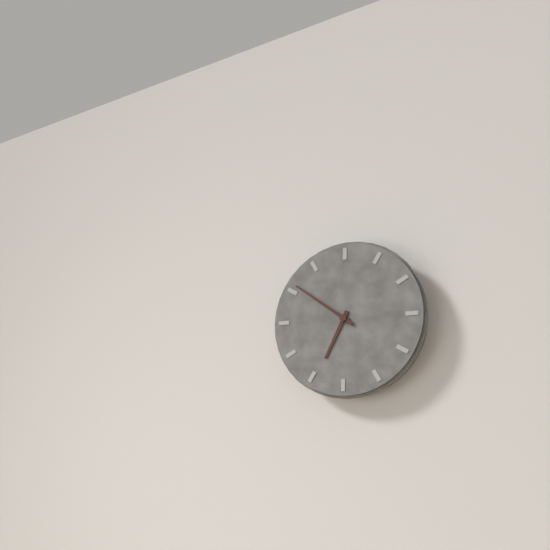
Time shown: **6:51**
